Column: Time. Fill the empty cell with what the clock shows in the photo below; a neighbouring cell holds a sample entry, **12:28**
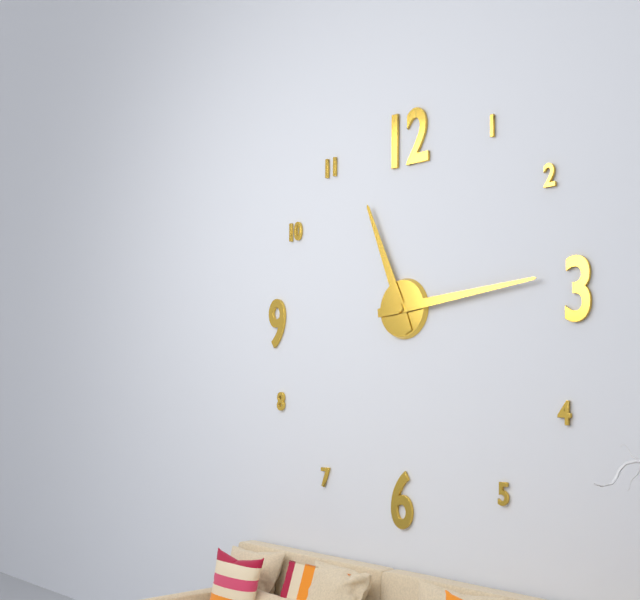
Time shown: **11:14**
